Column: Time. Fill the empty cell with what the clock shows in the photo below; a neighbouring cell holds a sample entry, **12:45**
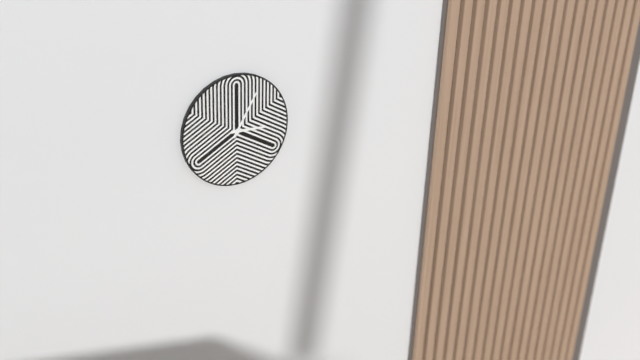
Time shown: **3:05**
